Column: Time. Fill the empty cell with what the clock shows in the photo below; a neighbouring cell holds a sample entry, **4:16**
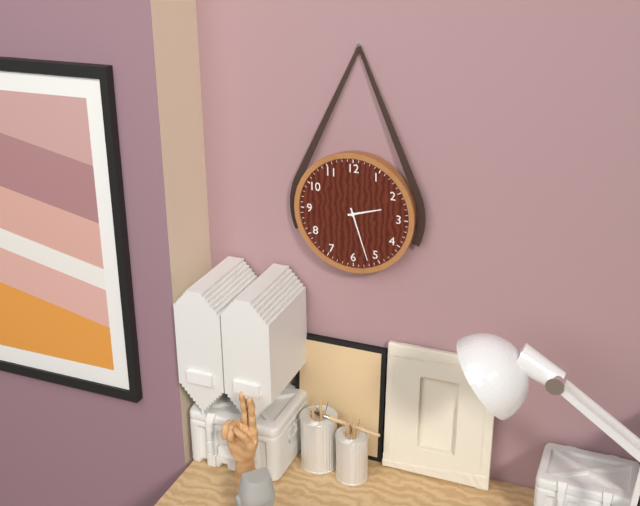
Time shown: **2:27**
